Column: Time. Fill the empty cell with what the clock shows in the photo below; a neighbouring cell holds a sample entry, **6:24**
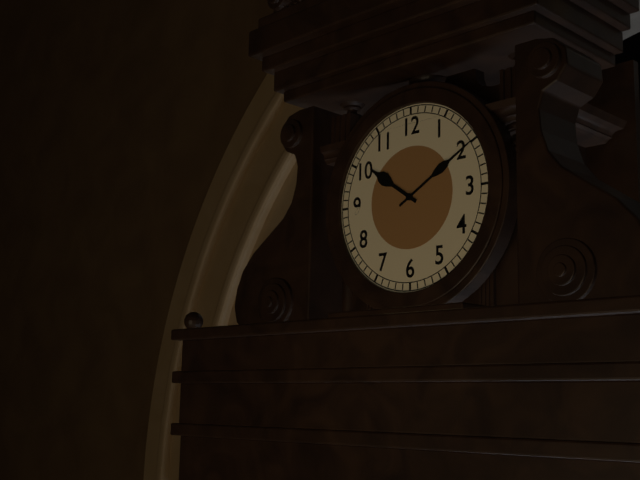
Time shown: **10:10**
